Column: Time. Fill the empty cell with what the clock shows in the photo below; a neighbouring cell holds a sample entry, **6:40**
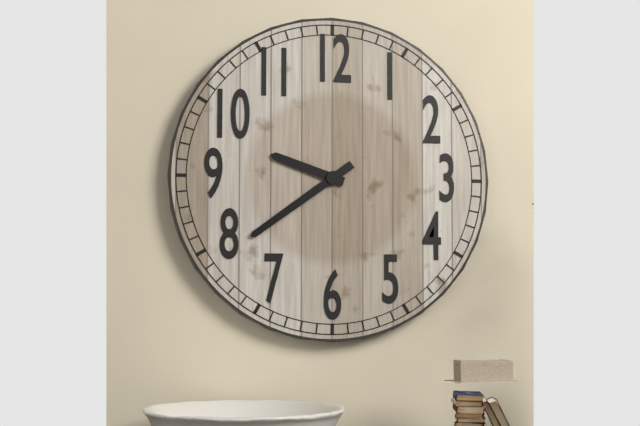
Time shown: **9:39**
